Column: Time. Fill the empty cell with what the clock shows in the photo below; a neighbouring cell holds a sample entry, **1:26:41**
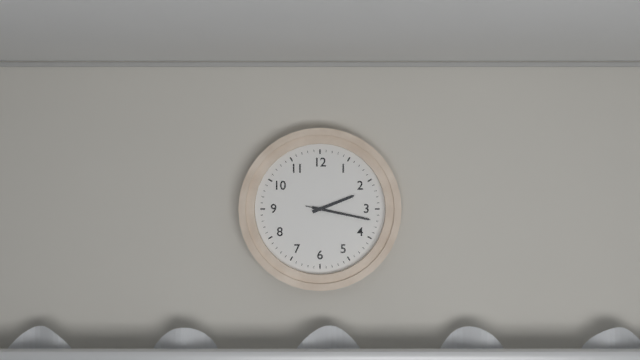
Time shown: **2:17:17**
